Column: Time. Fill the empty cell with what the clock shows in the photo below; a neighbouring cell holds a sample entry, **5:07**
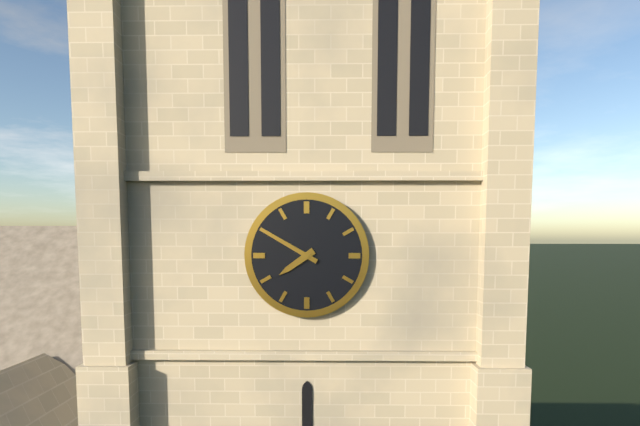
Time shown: **7:50**
